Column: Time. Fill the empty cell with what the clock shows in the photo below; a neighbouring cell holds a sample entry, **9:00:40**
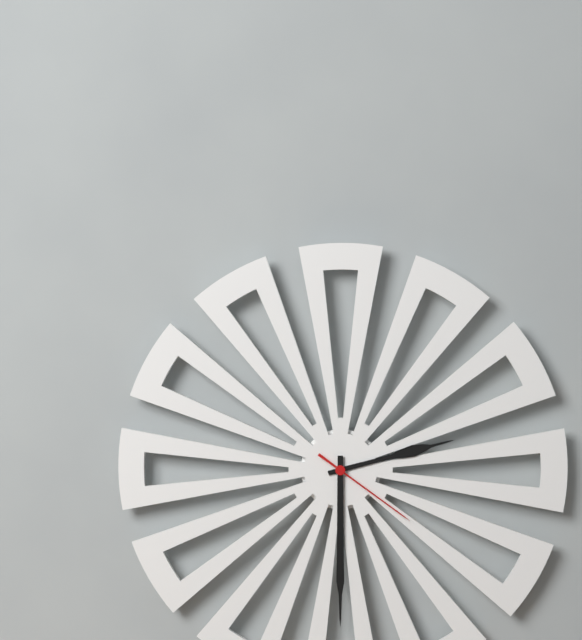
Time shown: **2:30:21**
